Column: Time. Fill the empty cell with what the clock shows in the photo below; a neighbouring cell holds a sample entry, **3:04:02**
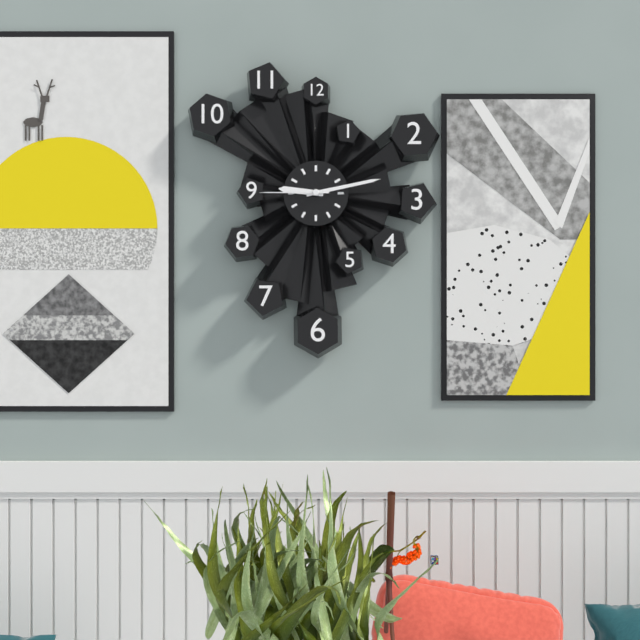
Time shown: **9:13:45**
